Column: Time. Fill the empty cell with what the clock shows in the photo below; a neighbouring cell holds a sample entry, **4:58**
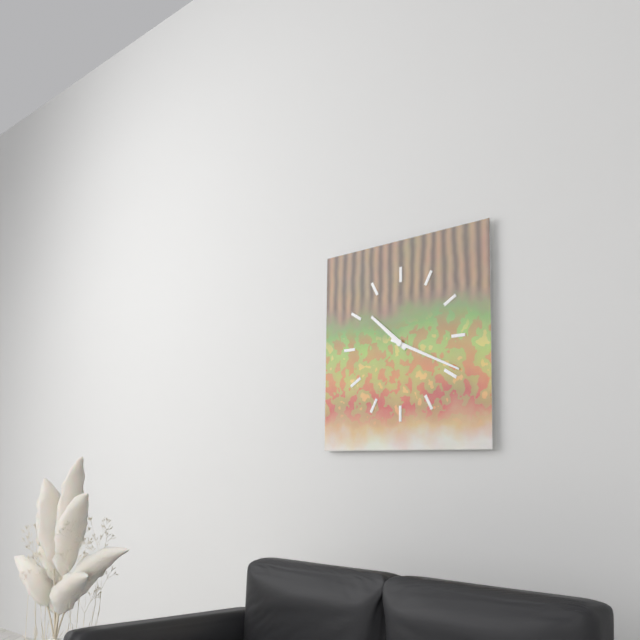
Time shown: **10:19**
